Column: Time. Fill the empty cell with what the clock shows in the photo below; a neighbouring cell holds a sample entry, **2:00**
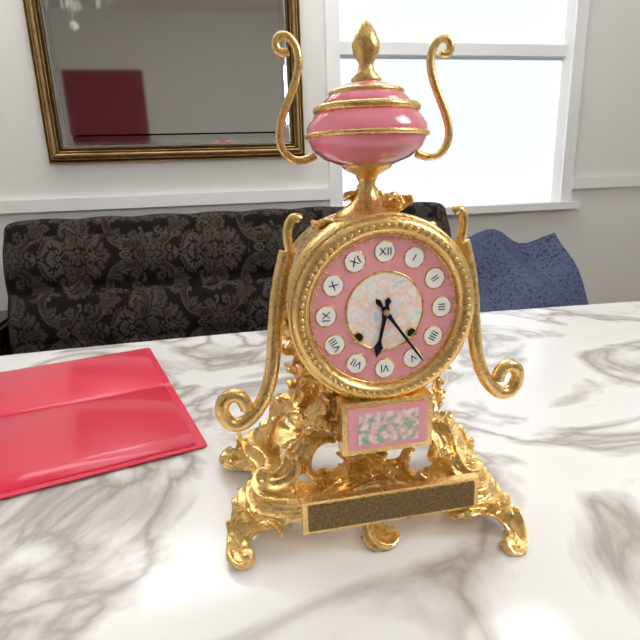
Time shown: **6:24**
